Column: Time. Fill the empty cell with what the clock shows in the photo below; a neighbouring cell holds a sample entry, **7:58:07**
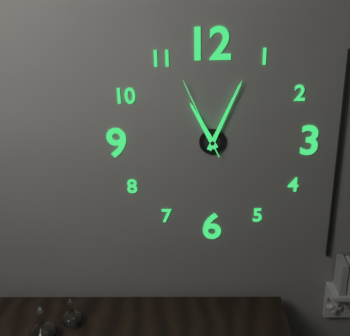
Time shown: **11:04:56**
